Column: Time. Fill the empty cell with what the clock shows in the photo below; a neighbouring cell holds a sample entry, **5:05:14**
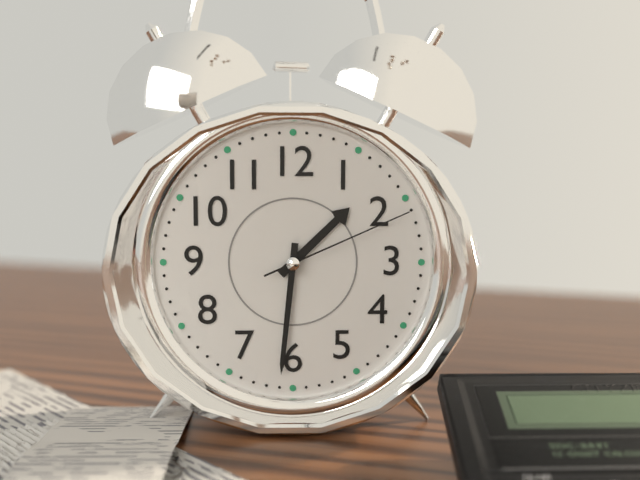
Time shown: **1:31:11**
